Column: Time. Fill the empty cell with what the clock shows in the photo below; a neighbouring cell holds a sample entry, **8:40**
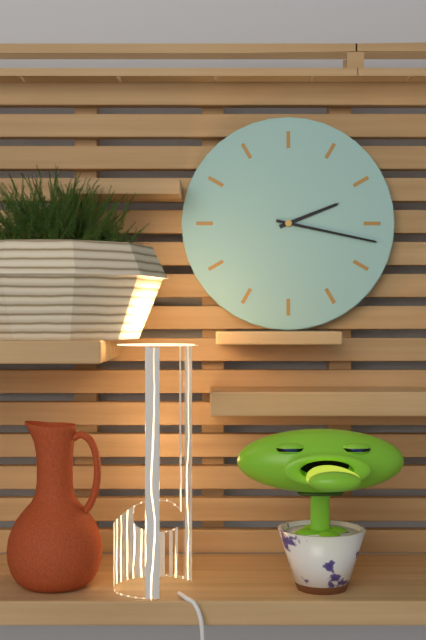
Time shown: **2:17**
